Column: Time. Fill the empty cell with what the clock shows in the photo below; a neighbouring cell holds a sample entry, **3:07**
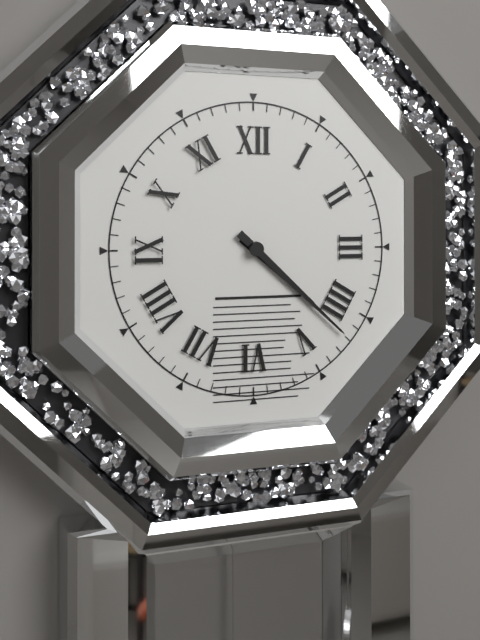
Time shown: **4:22**
